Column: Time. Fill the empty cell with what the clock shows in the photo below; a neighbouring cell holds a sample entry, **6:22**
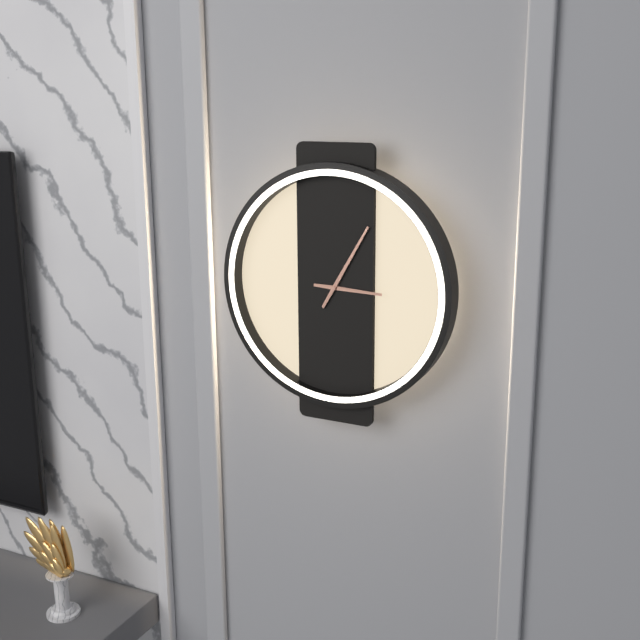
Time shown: **3:05**
